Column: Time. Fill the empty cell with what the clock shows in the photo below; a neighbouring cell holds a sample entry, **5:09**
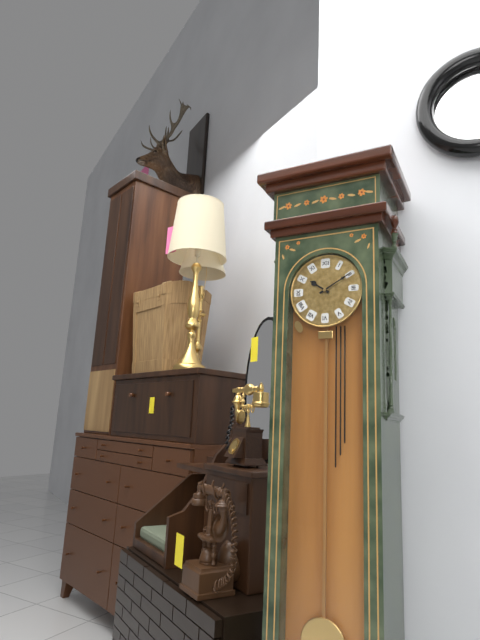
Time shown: **10:10**
